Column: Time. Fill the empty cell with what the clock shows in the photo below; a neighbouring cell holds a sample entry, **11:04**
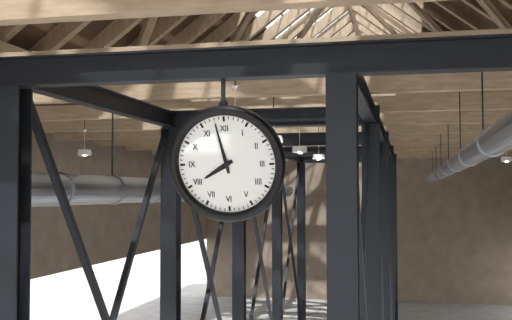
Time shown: **7:58**
